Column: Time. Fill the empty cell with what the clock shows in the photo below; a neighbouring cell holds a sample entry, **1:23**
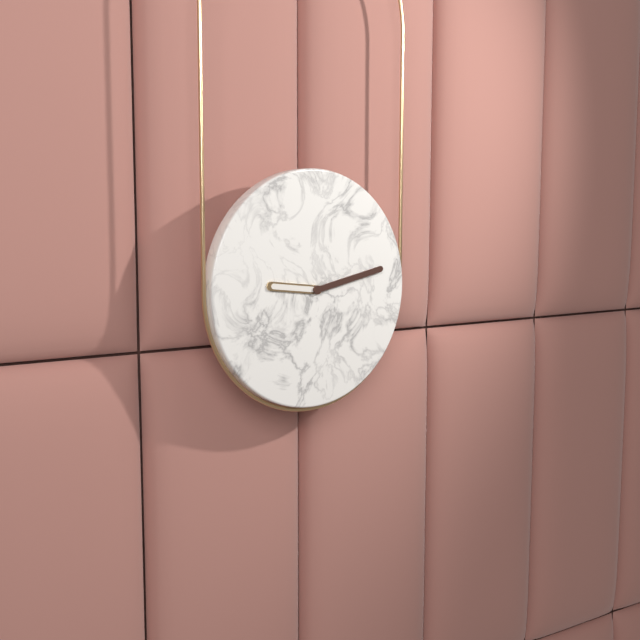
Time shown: **9:13**
